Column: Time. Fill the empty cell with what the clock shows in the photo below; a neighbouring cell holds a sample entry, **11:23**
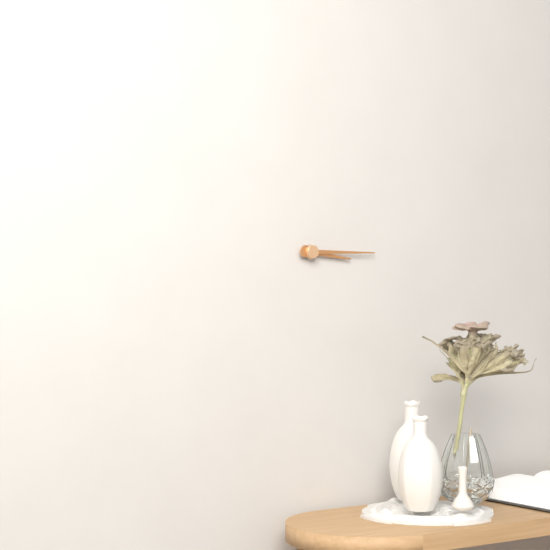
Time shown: **3:15**
